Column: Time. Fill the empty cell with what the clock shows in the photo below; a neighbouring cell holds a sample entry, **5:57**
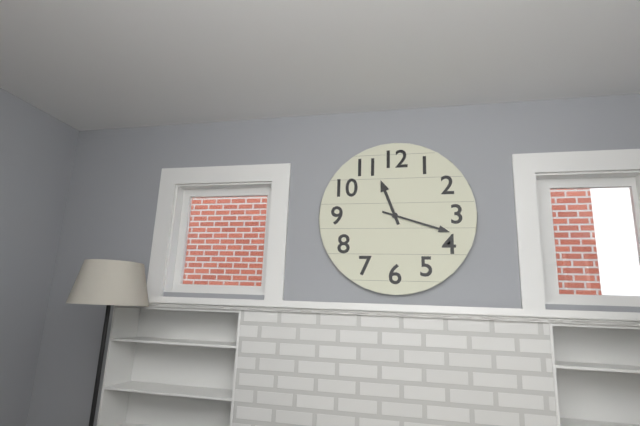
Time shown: **11:18**
